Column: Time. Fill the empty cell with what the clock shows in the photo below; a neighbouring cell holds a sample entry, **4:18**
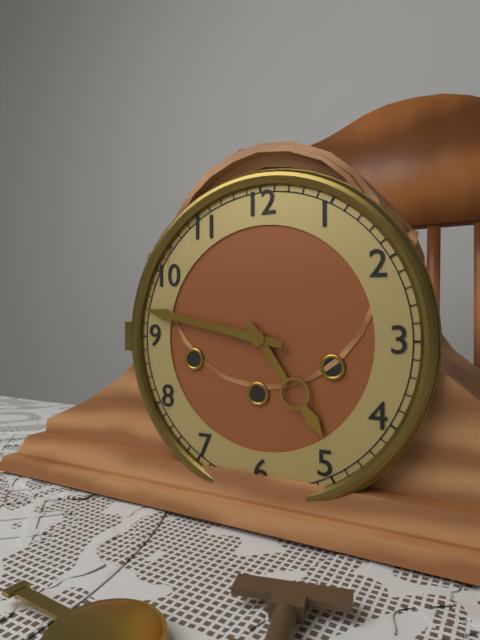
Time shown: **4:47**
